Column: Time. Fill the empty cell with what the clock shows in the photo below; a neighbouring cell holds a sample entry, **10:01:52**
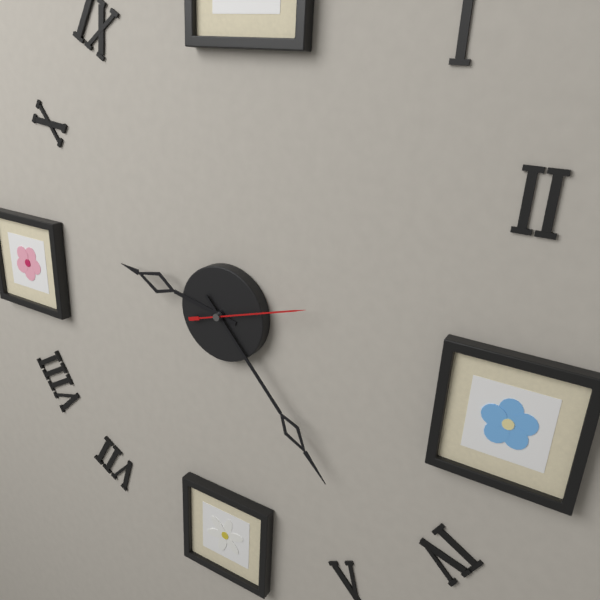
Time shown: **9:23:12**
